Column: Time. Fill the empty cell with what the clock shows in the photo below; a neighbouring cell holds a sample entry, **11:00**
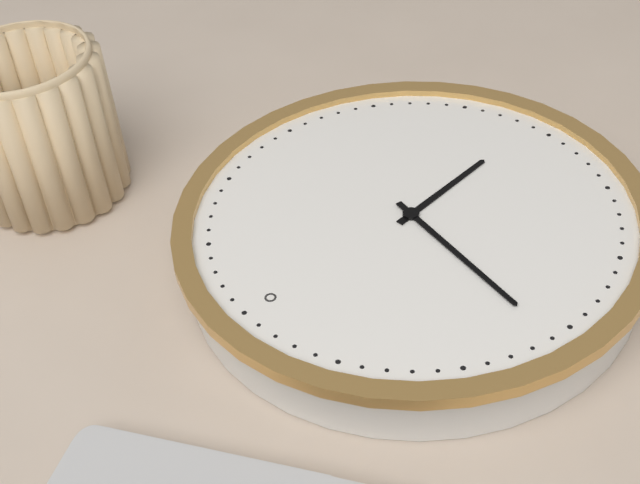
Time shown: **5:46**
